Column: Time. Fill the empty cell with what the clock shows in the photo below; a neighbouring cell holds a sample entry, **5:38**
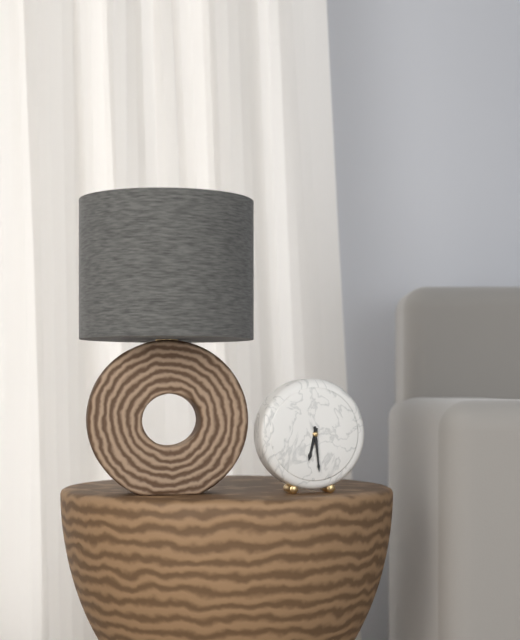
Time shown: **6:29**
